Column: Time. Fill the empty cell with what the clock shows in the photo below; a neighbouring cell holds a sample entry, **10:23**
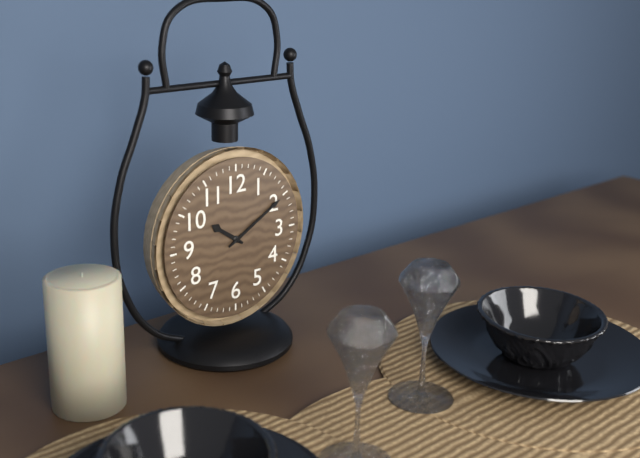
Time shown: **10:10**
